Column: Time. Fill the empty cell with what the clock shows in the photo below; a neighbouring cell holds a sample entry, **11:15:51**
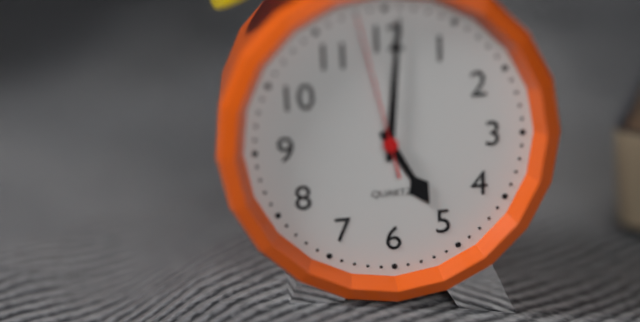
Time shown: **5:01:58**
